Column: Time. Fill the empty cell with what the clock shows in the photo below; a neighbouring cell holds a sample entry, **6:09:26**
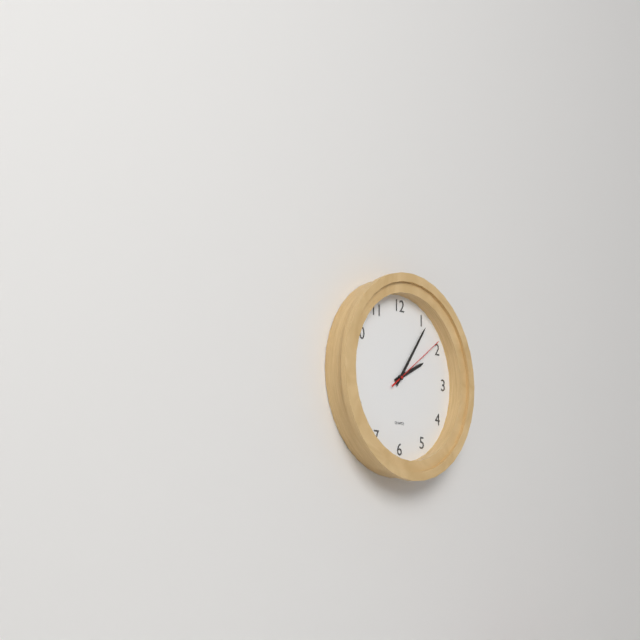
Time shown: **2:06:09**
